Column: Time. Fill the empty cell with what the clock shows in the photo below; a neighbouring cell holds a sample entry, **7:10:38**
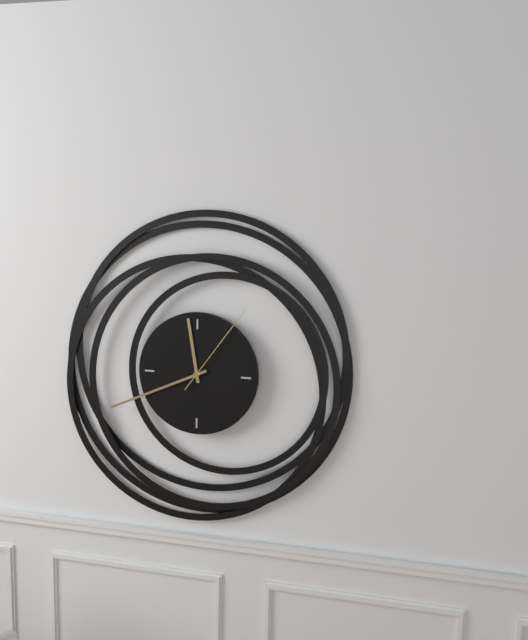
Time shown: **11:41:06**
